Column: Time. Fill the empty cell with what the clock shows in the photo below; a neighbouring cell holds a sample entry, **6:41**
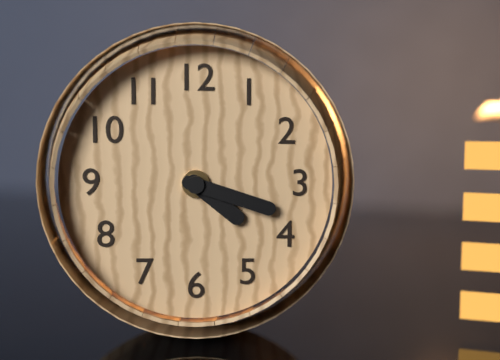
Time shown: **4:18**
